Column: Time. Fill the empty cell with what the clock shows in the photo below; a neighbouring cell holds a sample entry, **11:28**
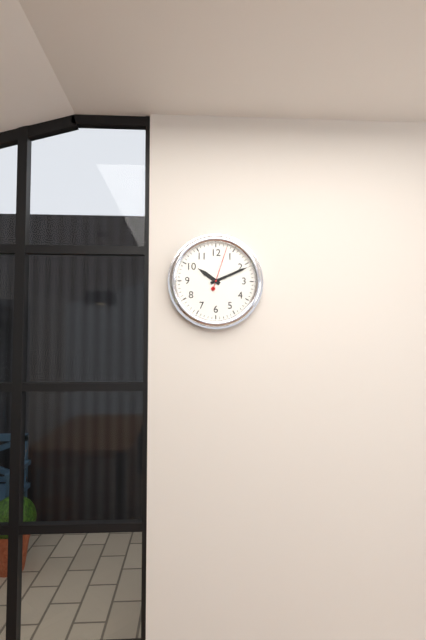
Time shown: **10:11**
